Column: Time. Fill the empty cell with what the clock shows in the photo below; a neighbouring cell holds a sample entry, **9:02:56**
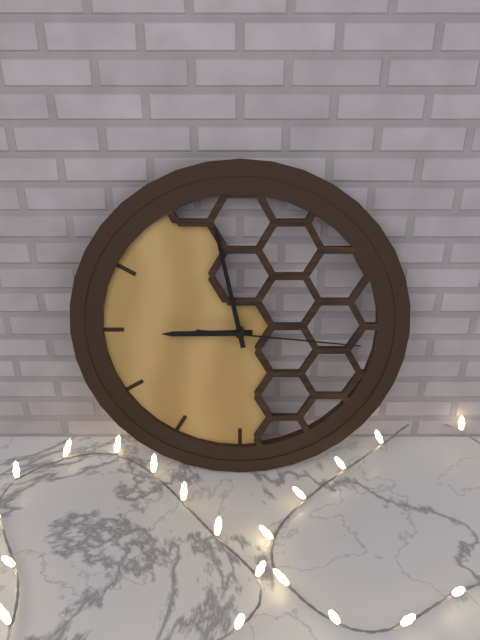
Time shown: **8:58:16**
